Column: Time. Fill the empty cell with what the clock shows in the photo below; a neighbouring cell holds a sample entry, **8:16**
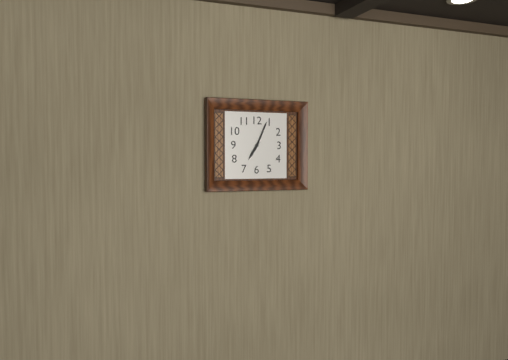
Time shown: **7:04**
